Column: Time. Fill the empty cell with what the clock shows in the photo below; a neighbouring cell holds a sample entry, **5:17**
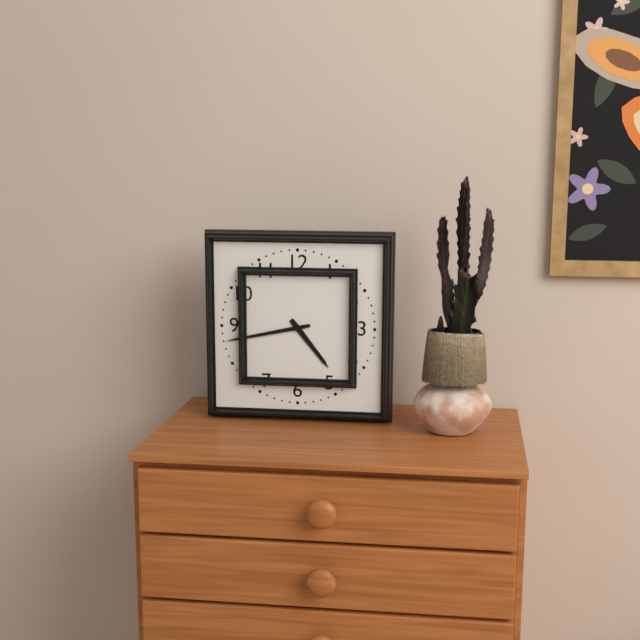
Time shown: **4:43**
